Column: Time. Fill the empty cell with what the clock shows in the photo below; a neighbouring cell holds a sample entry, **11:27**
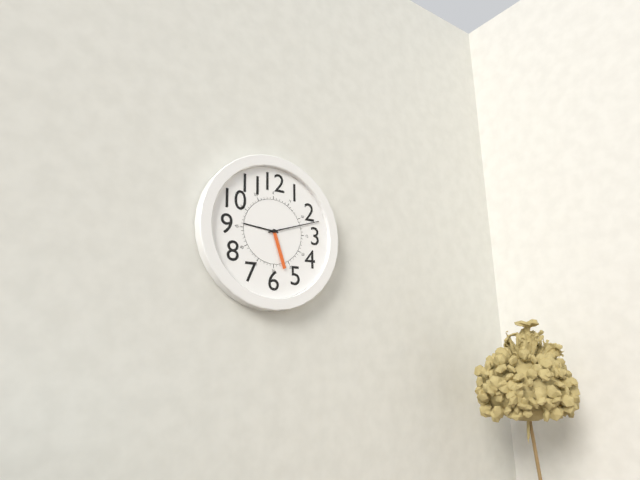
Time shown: **9:12**
